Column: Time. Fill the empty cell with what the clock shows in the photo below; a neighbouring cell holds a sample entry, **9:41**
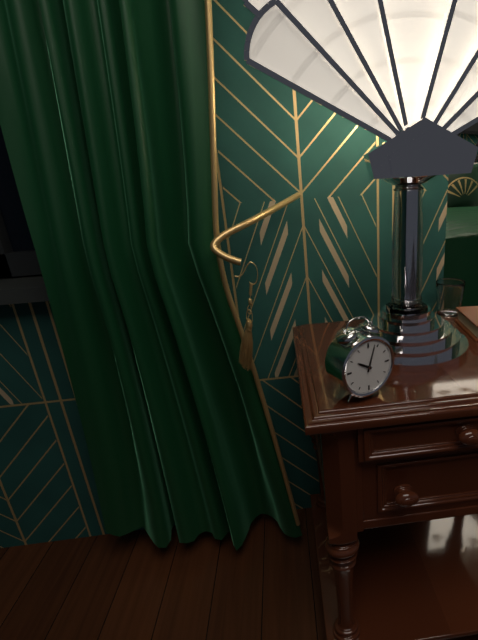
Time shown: **10:03**
